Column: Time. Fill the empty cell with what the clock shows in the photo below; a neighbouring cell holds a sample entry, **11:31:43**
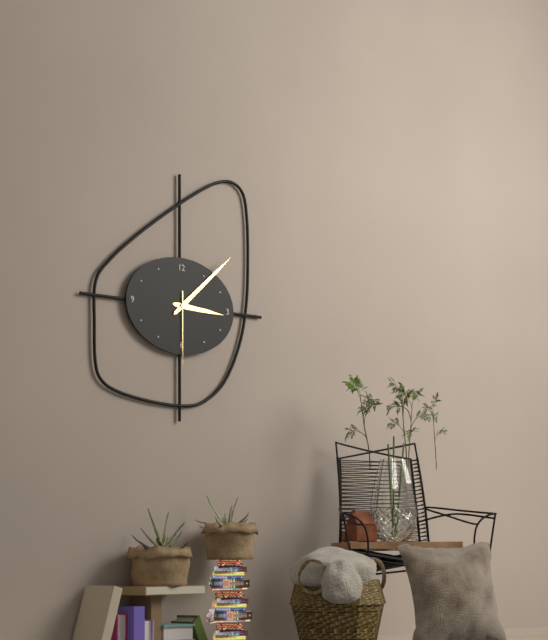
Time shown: **3:08:30**
